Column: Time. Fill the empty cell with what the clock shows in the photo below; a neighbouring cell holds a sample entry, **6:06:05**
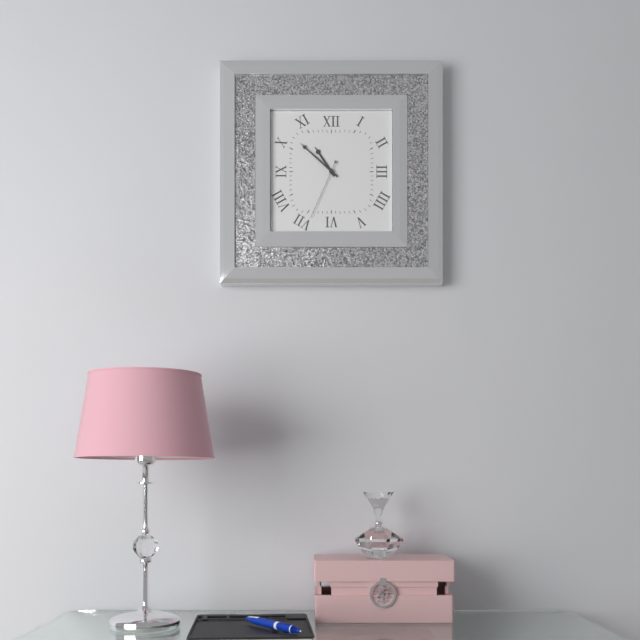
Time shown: **10:52:34**
